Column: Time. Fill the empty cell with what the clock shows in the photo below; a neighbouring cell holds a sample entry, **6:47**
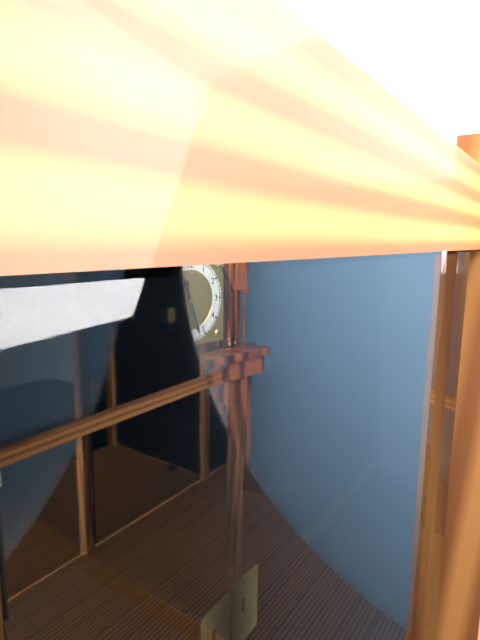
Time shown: **11:27**
